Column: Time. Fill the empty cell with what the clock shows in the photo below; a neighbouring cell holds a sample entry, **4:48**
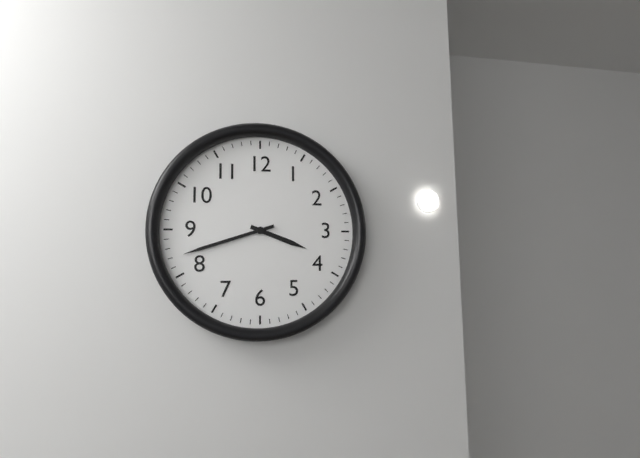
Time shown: **3:42**
